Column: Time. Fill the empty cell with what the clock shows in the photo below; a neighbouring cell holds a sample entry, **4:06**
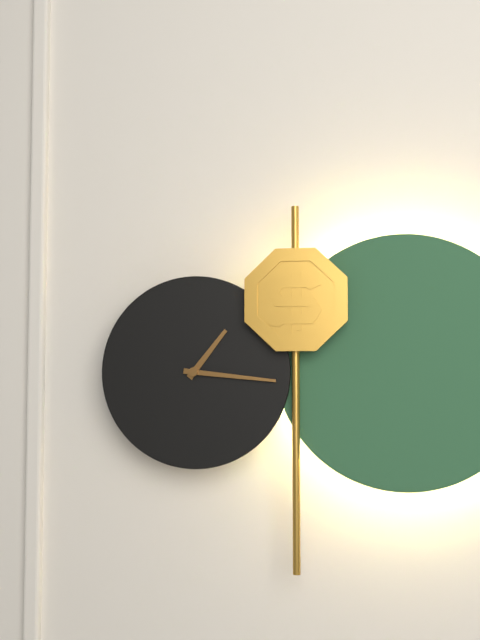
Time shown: **1:16**
